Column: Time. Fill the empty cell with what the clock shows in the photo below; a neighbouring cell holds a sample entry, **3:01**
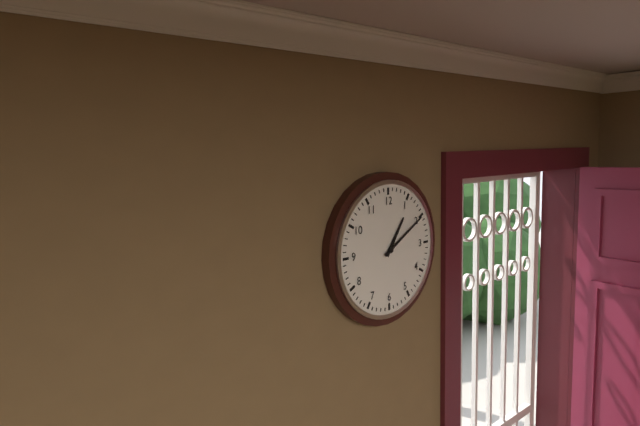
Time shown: **1:10**
